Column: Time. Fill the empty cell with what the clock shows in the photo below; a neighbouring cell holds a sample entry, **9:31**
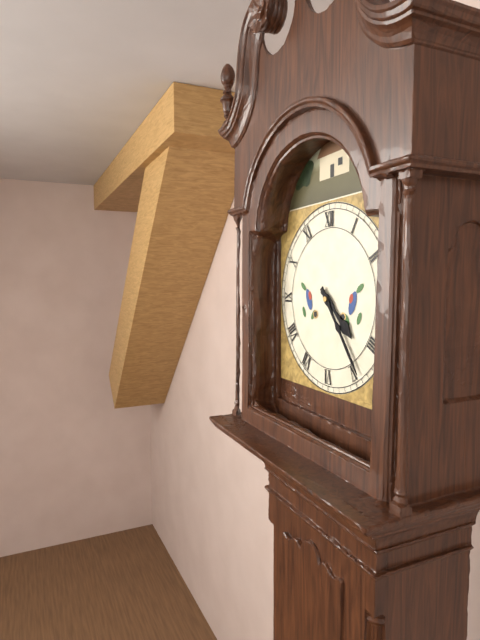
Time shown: **4:24**
